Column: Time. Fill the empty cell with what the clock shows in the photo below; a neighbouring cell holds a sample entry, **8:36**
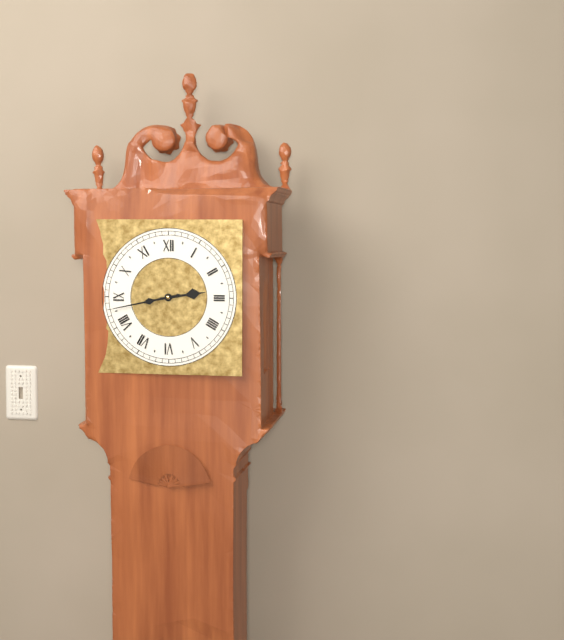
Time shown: **2:43**
